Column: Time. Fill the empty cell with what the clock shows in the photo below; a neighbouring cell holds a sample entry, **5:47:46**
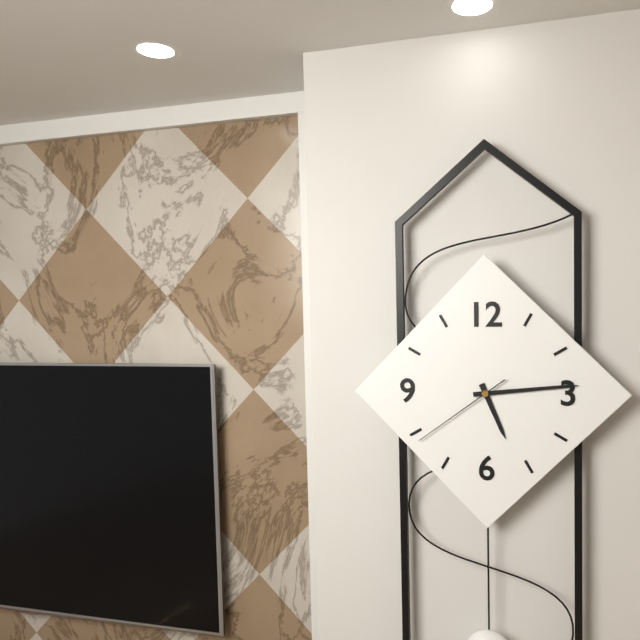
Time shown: **5:14:39**
